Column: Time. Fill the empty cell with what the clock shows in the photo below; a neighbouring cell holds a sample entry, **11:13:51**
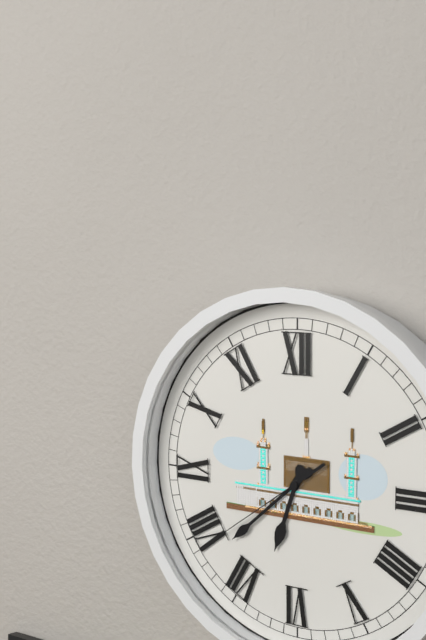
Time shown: **6:38:39**
